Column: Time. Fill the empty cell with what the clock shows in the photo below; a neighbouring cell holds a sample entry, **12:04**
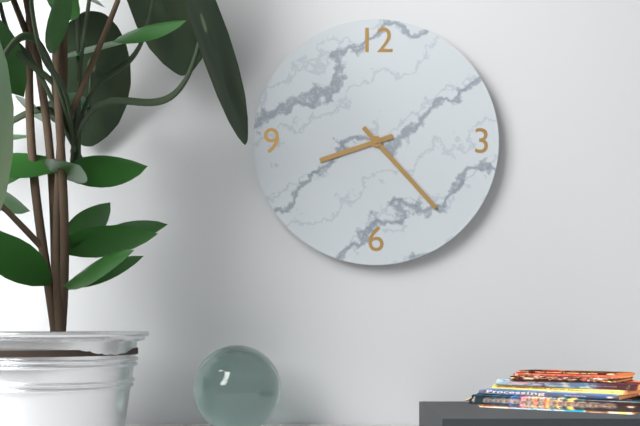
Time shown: **8:23**
